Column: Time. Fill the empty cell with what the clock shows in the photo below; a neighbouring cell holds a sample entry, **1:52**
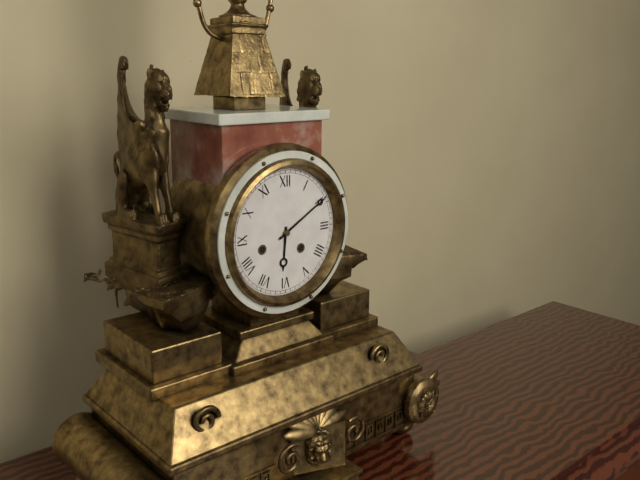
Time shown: **6:10**
